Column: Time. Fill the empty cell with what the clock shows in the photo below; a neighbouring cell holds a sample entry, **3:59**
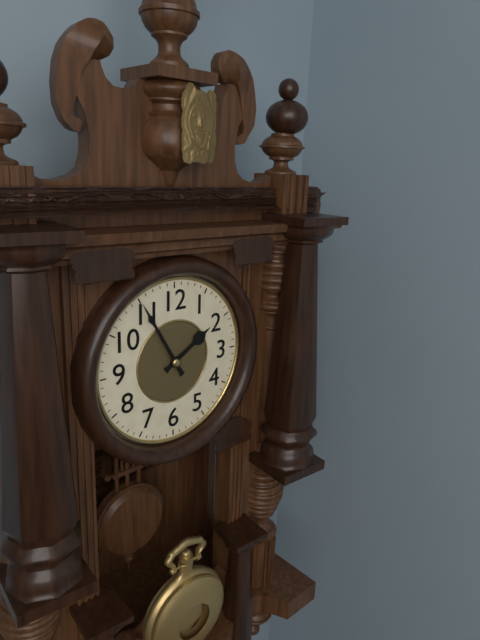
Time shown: **1:55**
